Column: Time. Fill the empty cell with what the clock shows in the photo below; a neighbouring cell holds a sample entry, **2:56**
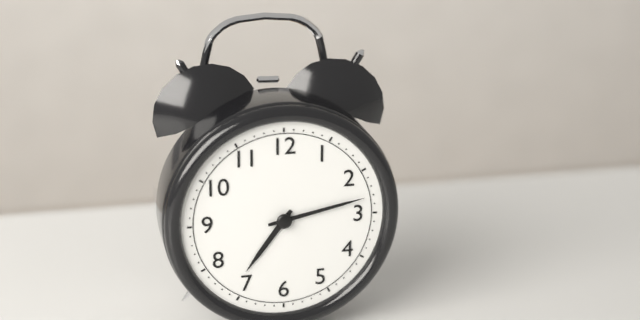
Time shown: **7:13**
